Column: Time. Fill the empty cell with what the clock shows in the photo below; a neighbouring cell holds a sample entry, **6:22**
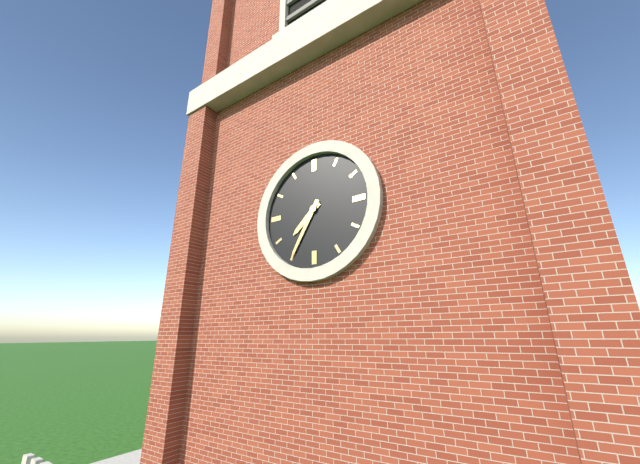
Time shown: **7:35**
